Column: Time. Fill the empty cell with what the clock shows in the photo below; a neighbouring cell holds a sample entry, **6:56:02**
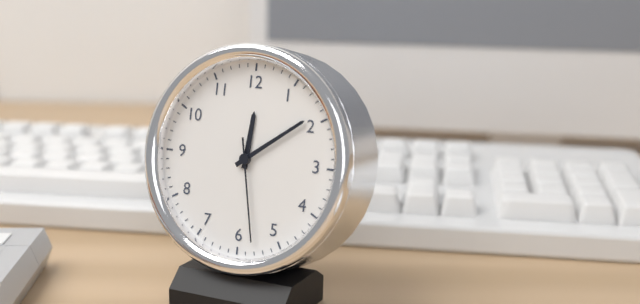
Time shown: **12:09:28**
